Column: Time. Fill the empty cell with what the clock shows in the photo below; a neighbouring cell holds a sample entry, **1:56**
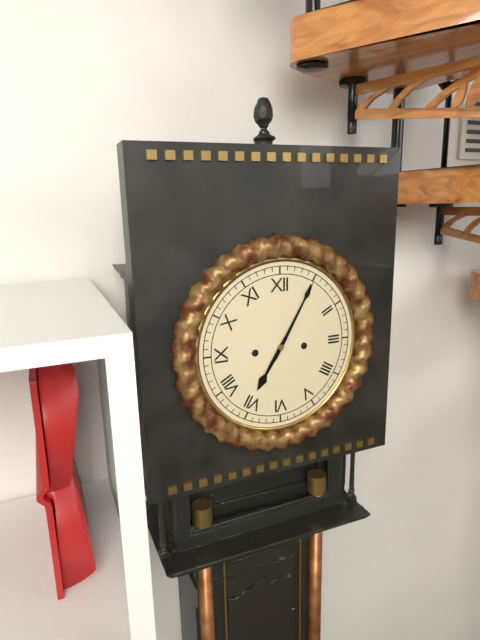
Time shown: **7:05**
